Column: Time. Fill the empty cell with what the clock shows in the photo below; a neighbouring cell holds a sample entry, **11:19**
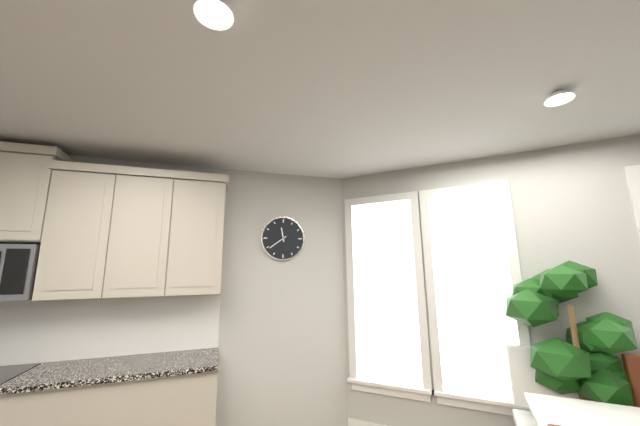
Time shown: **11:39**
